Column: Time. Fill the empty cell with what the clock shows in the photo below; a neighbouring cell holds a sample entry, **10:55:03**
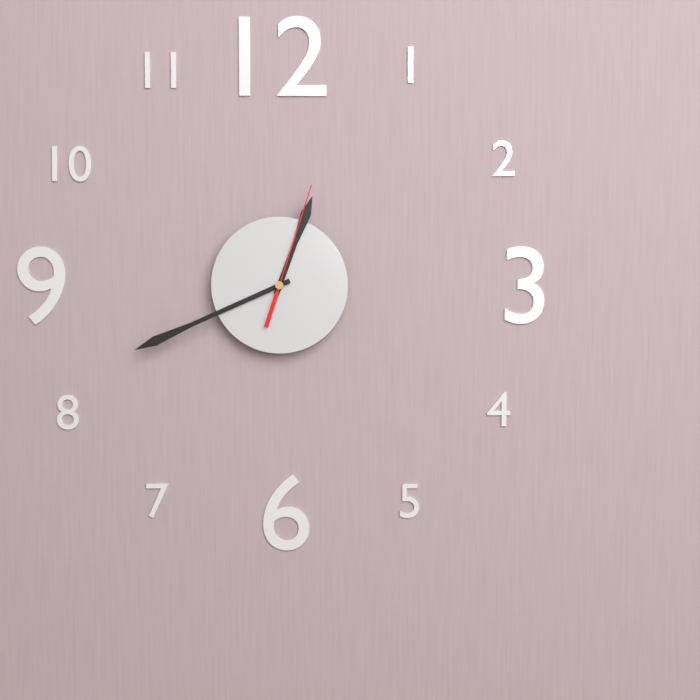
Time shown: **12:41:03**
